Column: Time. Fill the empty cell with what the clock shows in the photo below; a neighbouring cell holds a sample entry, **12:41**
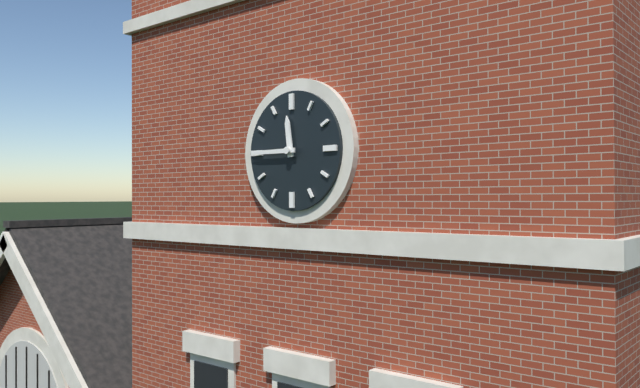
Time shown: **11:45**
